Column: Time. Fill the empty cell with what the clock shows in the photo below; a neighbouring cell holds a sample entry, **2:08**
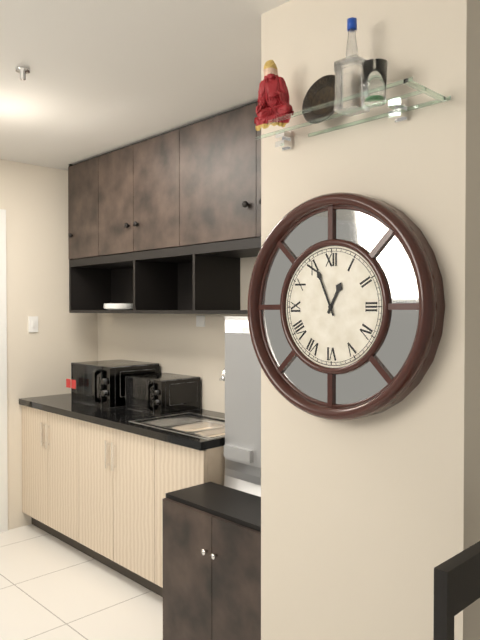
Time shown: **12:56**
